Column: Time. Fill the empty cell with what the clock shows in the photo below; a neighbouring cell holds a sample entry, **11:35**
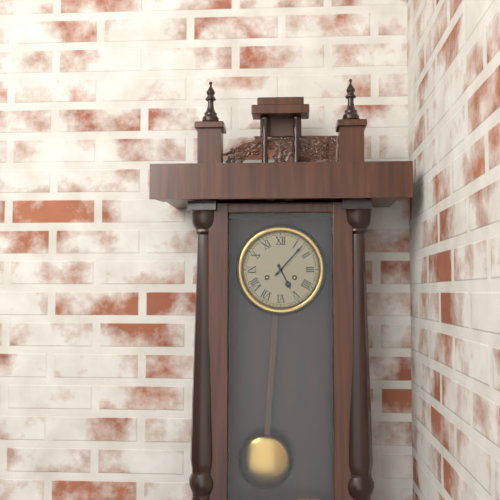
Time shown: **5:07**
